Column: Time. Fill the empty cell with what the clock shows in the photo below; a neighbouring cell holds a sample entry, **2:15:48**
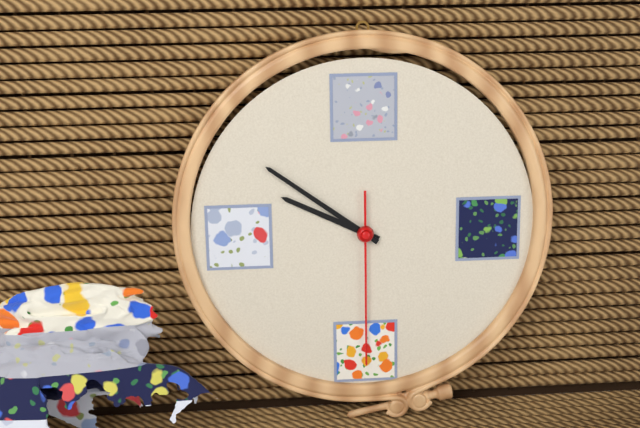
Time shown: **9:51:30**
